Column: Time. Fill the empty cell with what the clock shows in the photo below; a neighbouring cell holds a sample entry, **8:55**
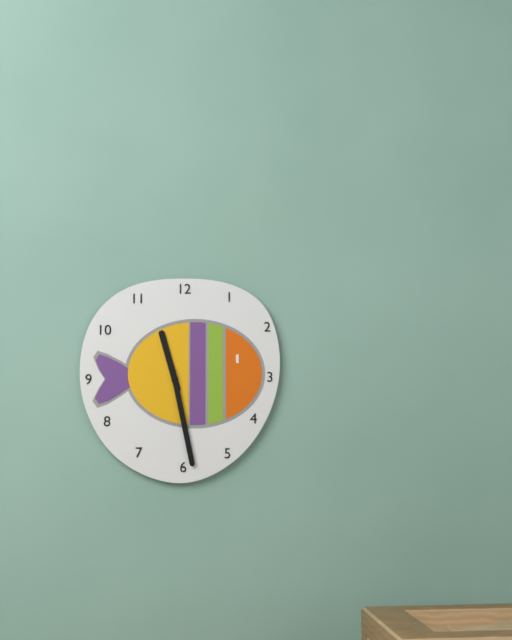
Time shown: **11:28**
